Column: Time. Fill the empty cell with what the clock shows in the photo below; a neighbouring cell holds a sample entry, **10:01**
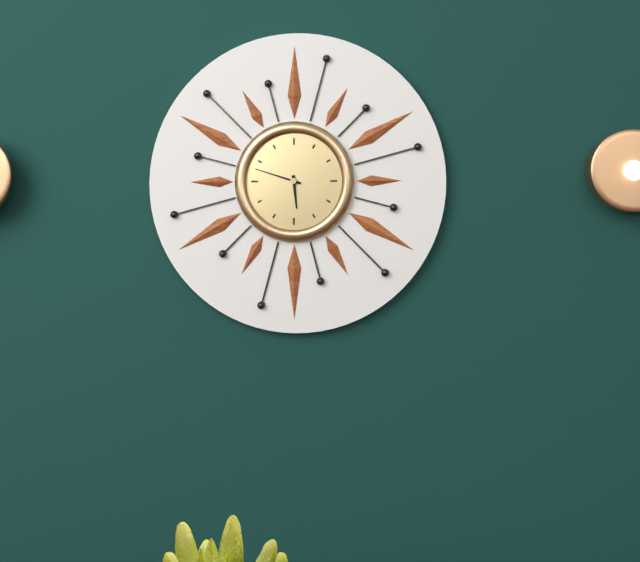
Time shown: **5:48**
